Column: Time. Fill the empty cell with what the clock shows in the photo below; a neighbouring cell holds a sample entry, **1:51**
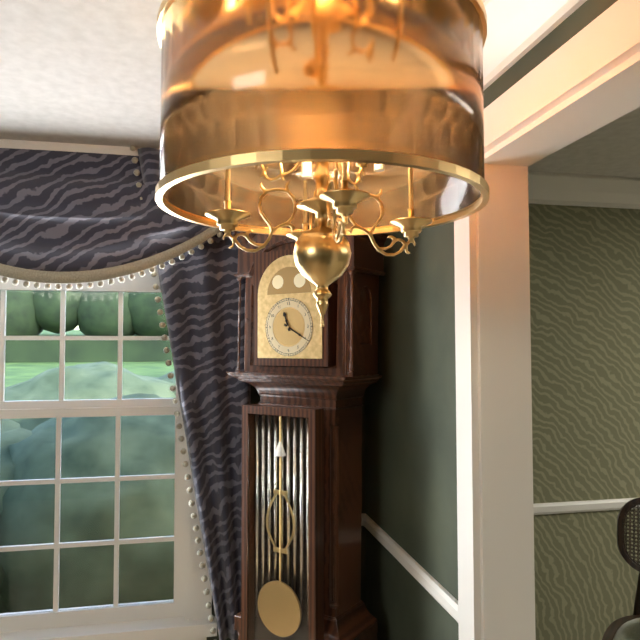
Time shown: **11:20**
